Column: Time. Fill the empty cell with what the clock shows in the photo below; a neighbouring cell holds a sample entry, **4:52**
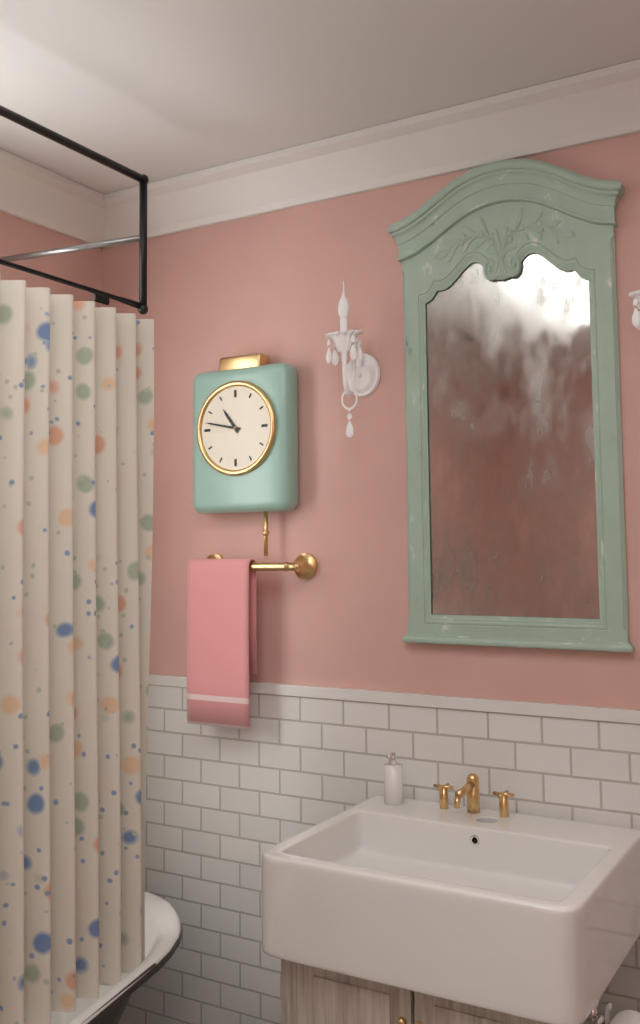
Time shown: **10:47**
